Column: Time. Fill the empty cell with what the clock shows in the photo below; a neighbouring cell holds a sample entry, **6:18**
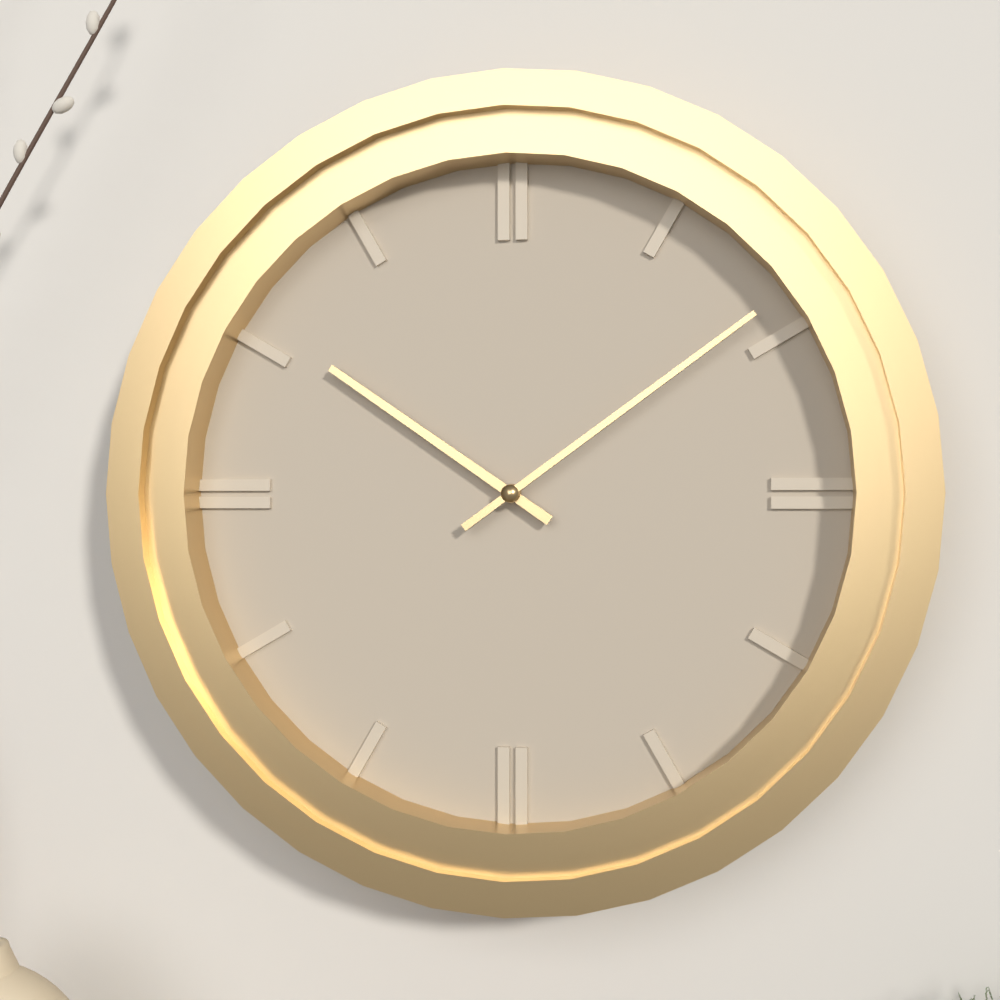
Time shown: **10:09**
